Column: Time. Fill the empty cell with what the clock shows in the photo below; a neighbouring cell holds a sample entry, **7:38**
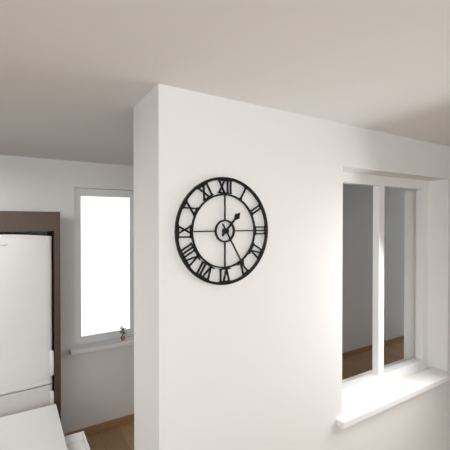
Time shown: **1:25**
